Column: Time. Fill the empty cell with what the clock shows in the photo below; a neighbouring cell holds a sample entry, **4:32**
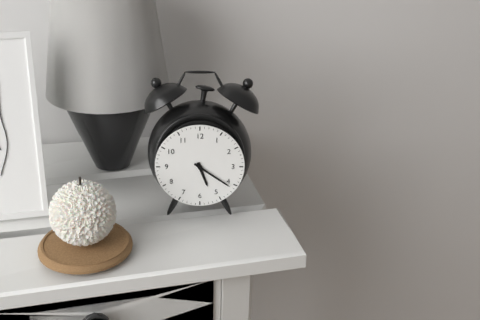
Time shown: **5:21**
